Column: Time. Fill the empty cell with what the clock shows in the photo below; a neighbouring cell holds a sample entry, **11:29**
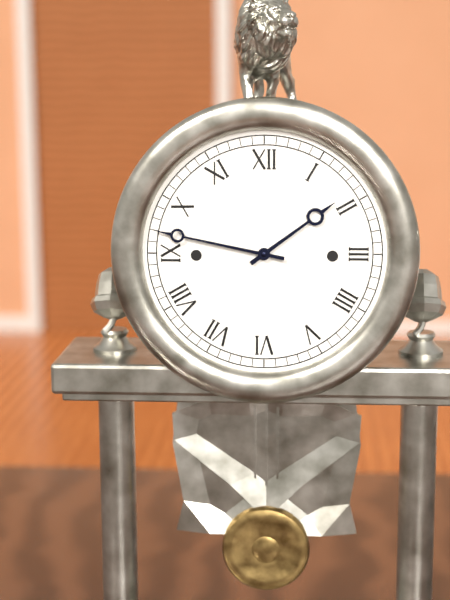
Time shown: **1:47**
